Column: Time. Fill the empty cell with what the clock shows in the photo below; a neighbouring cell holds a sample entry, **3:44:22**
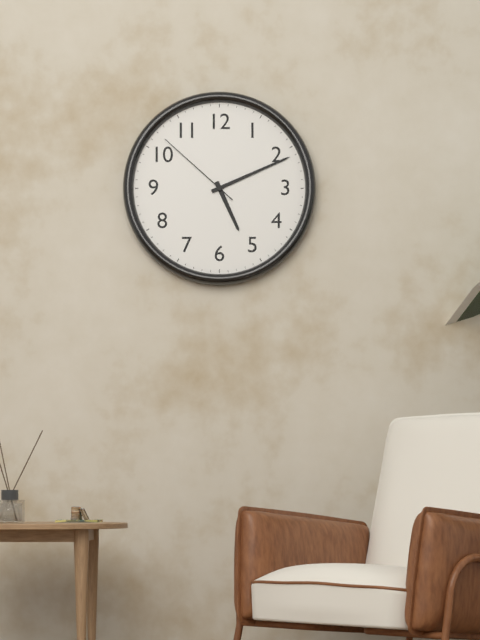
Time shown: **5:11:52**
